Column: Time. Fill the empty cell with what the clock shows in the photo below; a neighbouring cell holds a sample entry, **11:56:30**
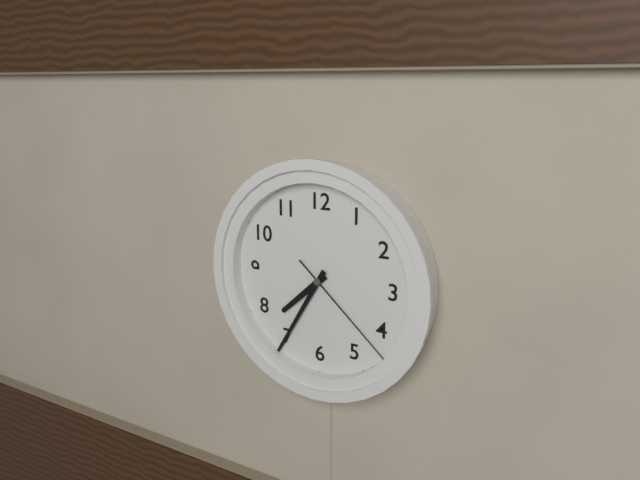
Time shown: **7:35:22**
